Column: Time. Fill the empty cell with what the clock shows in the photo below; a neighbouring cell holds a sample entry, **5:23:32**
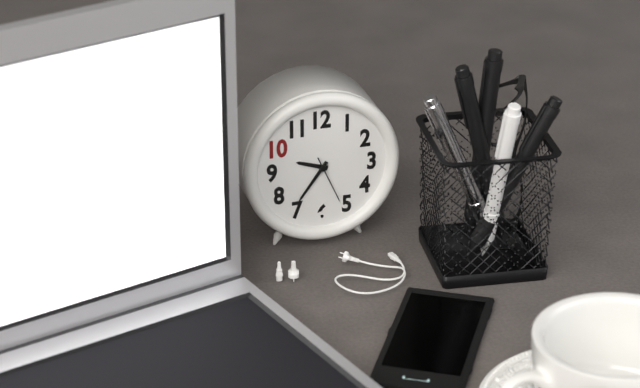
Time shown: **9:36:26**
